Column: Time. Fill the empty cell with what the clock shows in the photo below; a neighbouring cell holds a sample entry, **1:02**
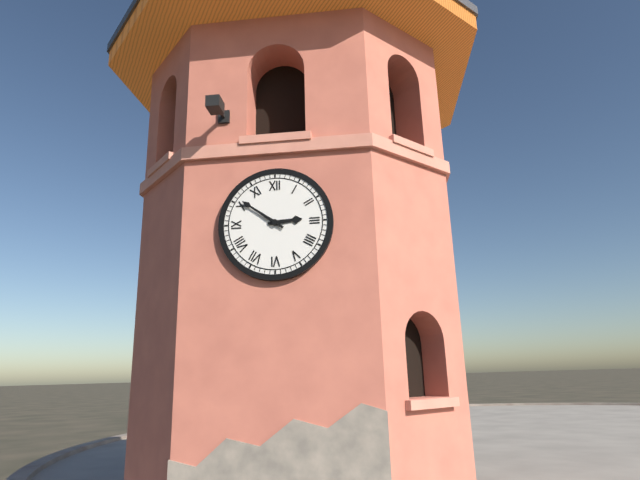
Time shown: **2:51**
